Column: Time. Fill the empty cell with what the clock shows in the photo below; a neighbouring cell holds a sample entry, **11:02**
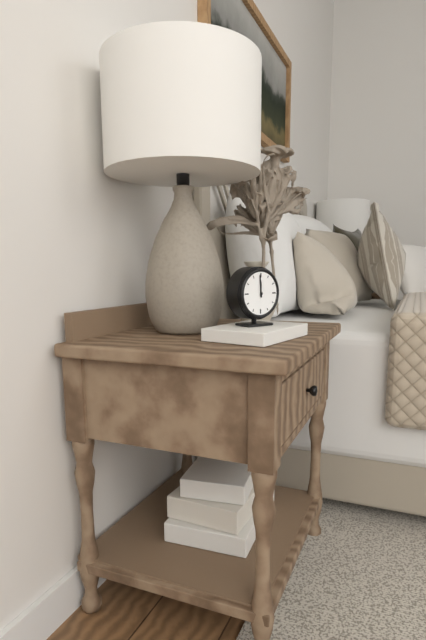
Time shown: **11:59**
